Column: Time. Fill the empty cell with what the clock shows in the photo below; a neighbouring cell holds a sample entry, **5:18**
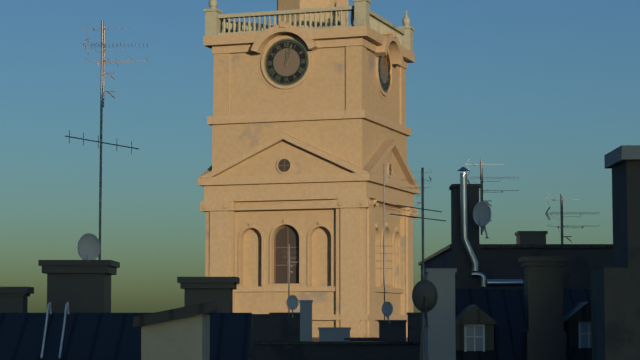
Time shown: **12:03**
